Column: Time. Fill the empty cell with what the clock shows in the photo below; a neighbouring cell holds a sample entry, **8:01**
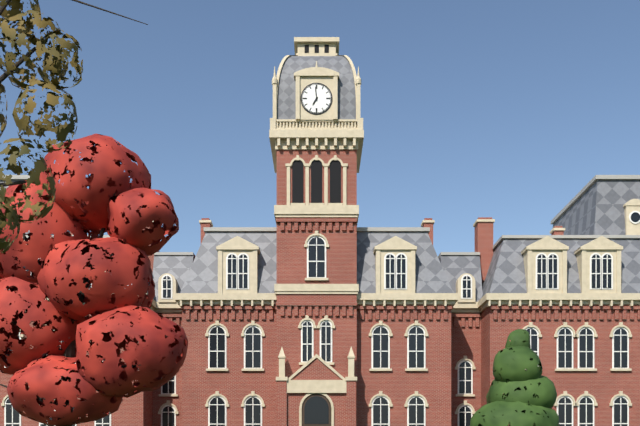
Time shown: **6:59**
